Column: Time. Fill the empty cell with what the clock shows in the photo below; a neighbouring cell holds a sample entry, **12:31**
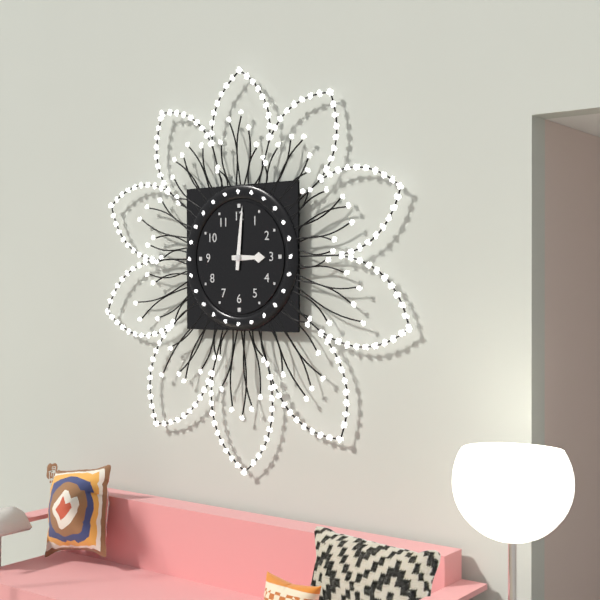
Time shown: **3:01**
